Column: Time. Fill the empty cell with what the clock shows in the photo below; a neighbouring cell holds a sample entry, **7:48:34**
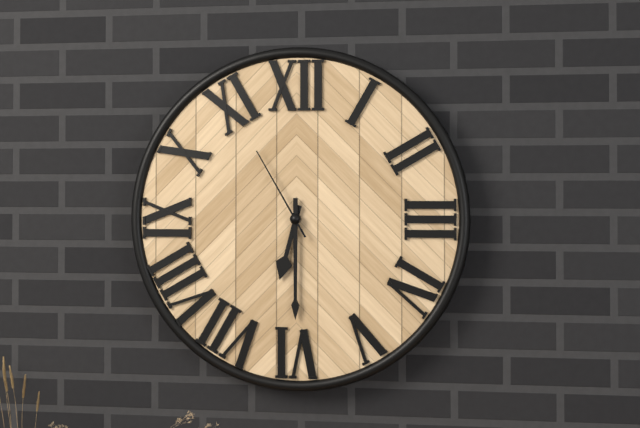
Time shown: **6:30:55**
